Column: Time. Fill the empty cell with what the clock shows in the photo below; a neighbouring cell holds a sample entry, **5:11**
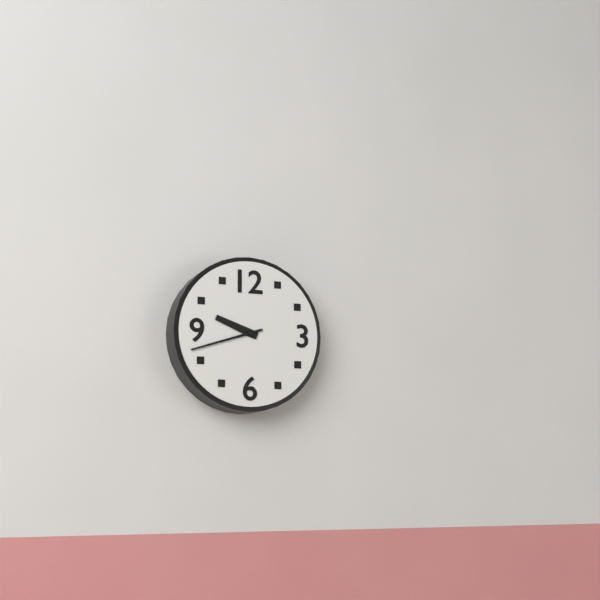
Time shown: **9:42**
